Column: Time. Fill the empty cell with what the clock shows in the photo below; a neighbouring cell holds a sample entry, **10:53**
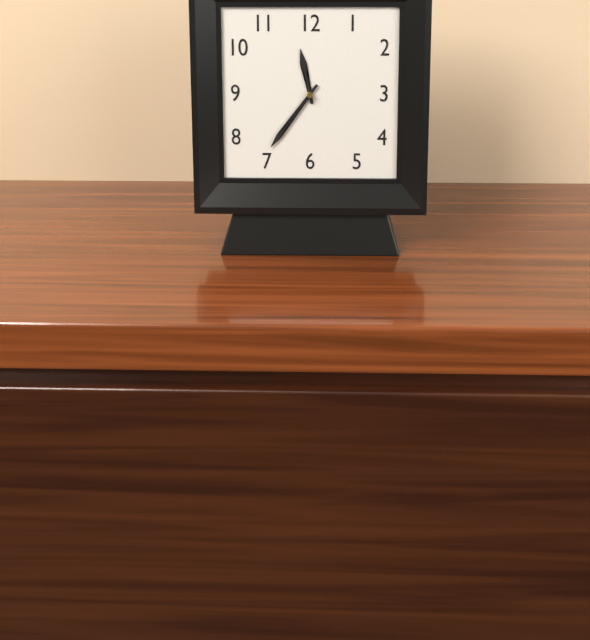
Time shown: **11:36**
